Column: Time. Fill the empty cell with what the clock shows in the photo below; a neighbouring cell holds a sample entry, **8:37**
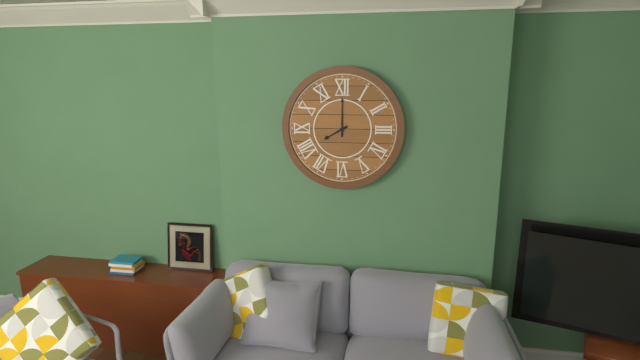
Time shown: **8:00**
